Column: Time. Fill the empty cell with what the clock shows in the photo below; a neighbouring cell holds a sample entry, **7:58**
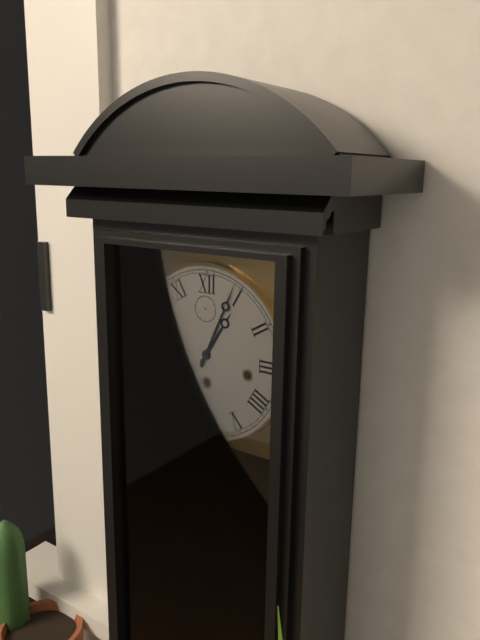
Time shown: **1:04**
